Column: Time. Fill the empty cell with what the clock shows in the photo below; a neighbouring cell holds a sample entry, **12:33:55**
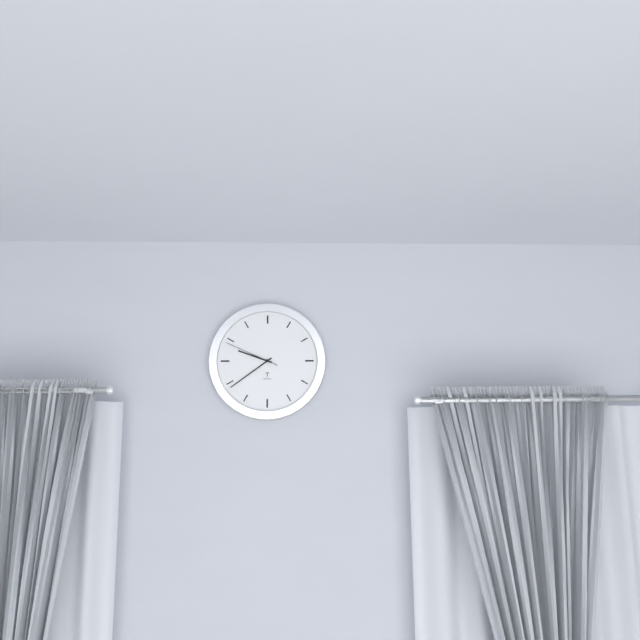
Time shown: **9:39:49**
